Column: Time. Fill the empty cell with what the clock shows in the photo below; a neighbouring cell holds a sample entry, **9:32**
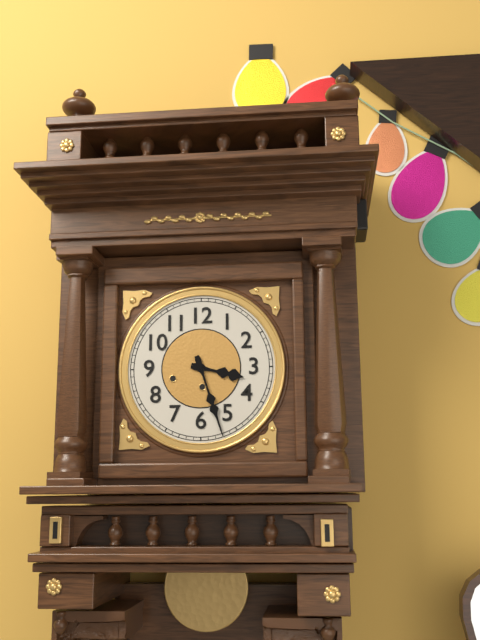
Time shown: **3:27**
